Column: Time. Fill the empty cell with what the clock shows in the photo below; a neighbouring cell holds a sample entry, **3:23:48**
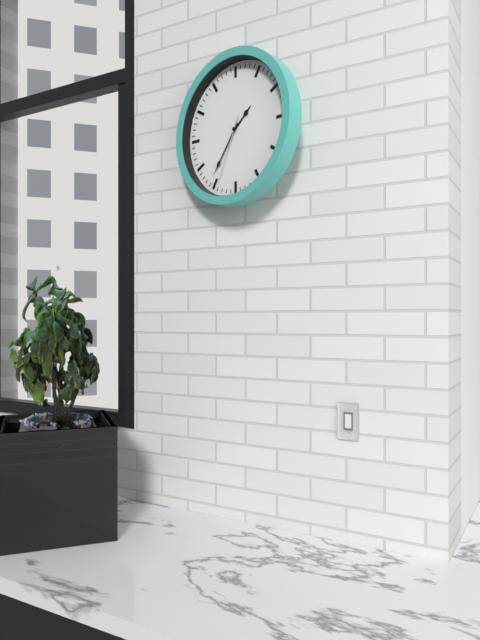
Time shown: **1:36:34**
